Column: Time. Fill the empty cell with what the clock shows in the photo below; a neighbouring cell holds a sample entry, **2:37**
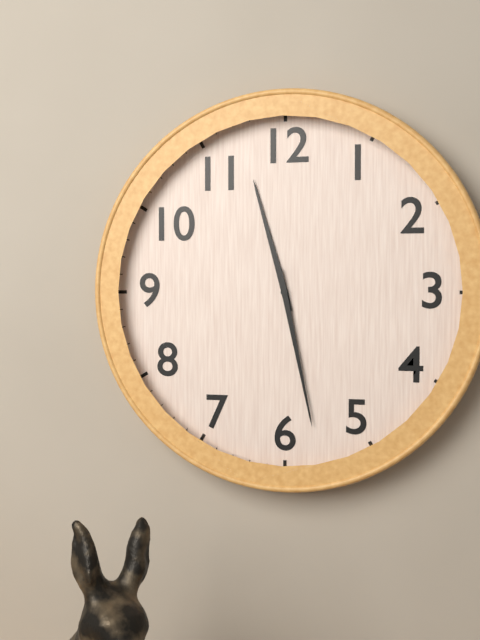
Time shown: **11:28**
